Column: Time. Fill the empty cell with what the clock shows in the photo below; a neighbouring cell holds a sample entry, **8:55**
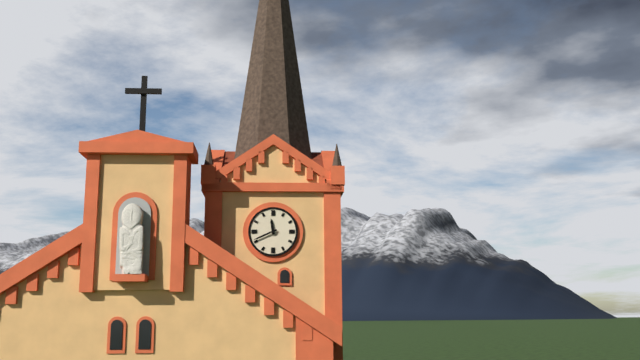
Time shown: **11:41**
